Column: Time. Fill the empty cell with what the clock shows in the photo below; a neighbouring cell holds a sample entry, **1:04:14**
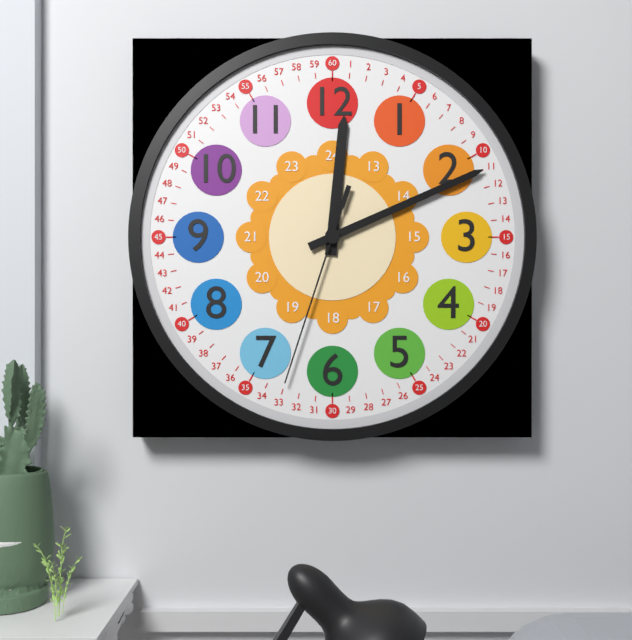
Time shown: **12:11:33**
